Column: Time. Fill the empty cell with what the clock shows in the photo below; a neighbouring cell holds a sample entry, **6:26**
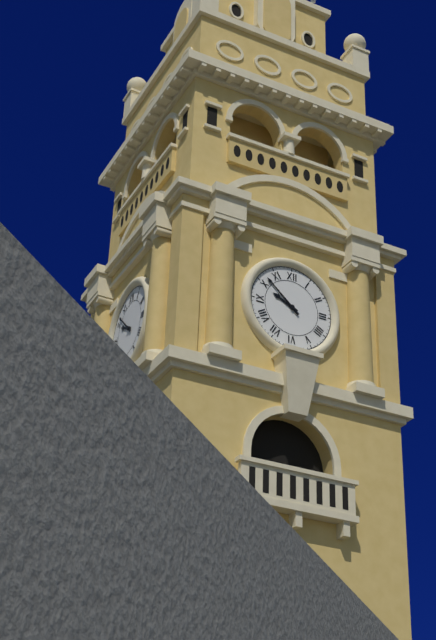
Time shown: **9:52**
